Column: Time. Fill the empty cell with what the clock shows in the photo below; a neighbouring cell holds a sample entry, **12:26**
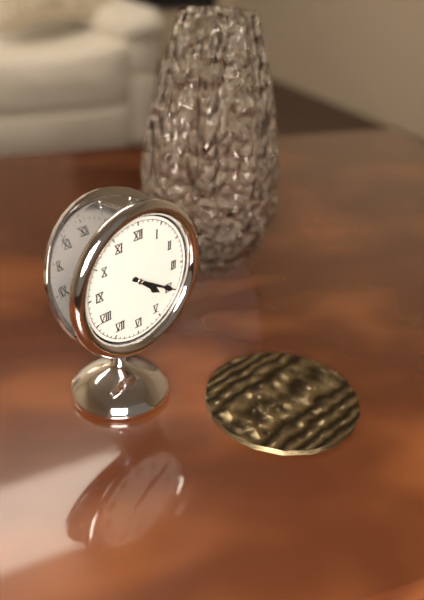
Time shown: **4:20**
